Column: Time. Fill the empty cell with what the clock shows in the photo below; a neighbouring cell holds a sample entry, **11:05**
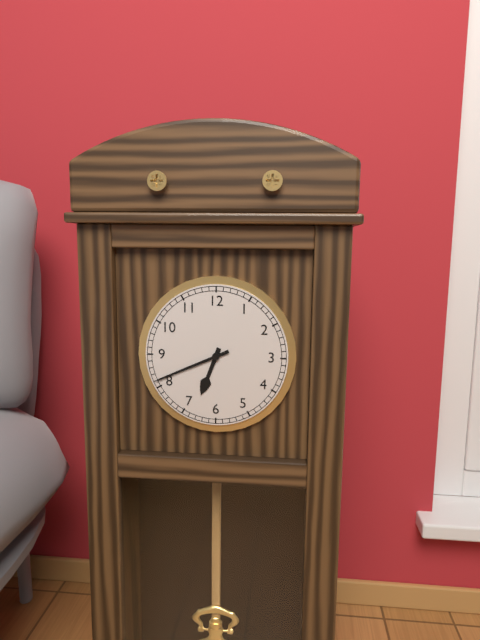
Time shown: **6:41**
